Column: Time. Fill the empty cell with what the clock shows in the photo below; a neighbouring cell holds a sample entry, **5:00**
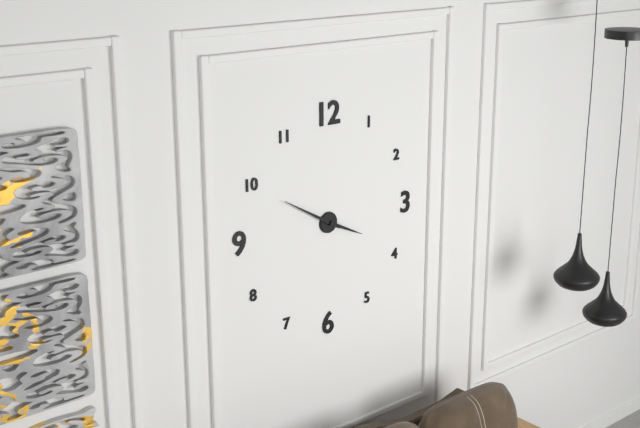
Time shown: **3:50**
